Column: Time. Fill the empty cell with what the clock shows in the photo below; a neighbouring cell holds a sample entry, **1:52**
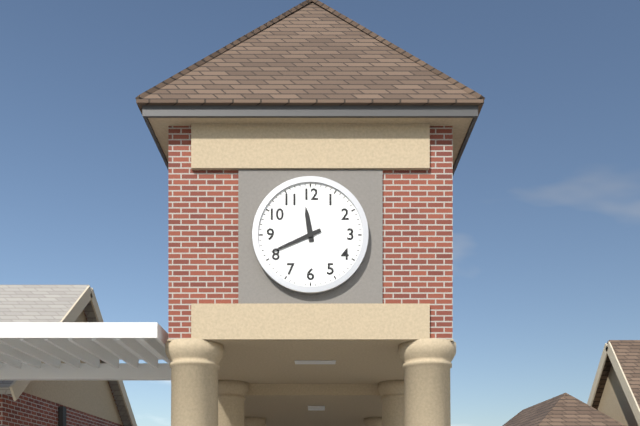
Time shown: **11:41**
